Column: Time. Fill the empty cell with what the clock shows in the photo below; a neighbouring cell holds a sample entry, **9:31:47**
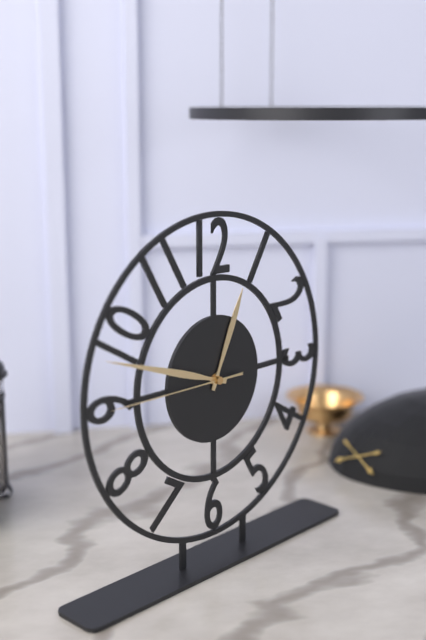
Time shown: **12:48:45**
